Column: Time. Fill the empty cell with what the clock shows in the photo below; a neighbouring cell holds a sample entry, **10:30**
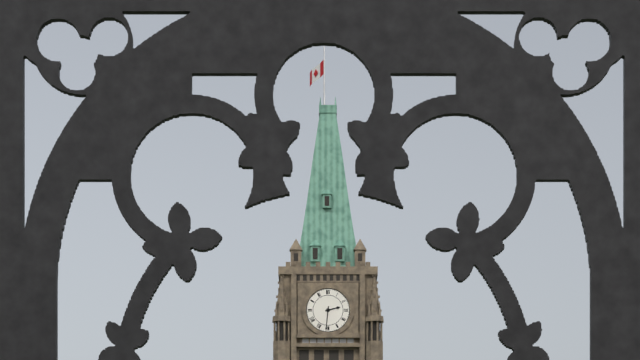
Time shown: **2:31**
